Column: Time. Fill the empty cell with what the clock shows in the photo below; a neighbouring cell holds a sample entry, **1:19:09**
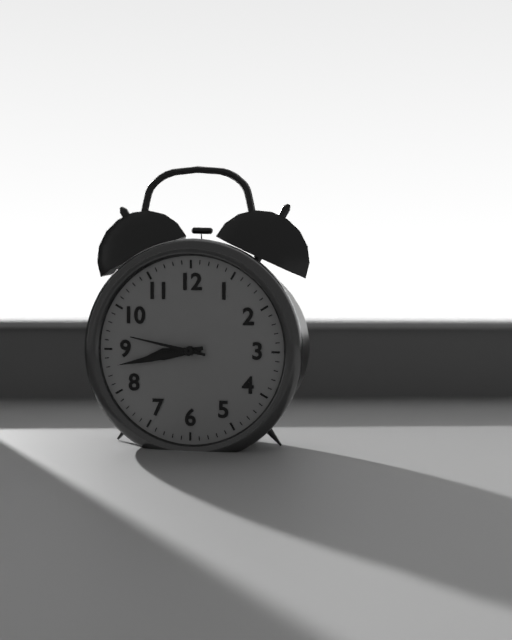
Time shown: **8:43:47**
